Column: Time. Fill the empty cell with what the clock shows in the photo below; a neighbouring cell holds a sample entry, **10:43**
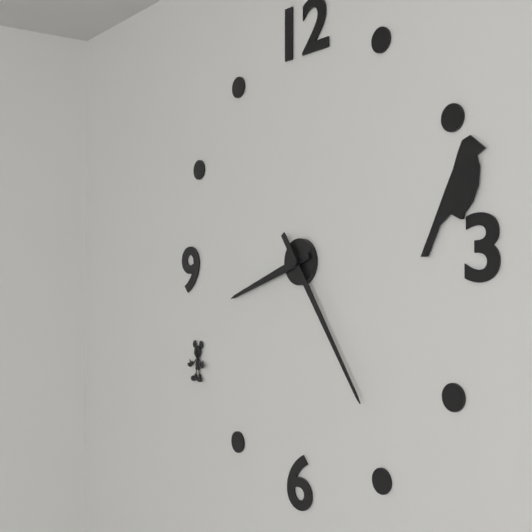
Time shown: **8:24**
